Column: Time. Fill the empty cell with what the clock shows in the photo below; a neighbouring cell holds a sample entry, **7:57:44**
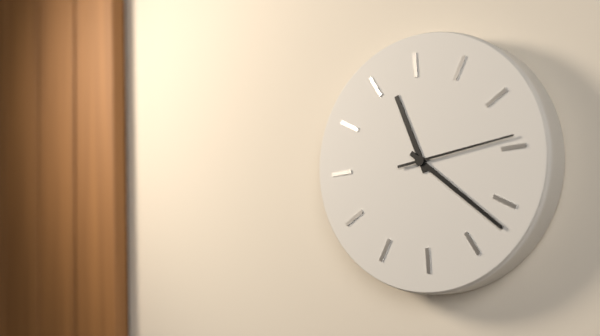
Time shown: **11:22:14**
